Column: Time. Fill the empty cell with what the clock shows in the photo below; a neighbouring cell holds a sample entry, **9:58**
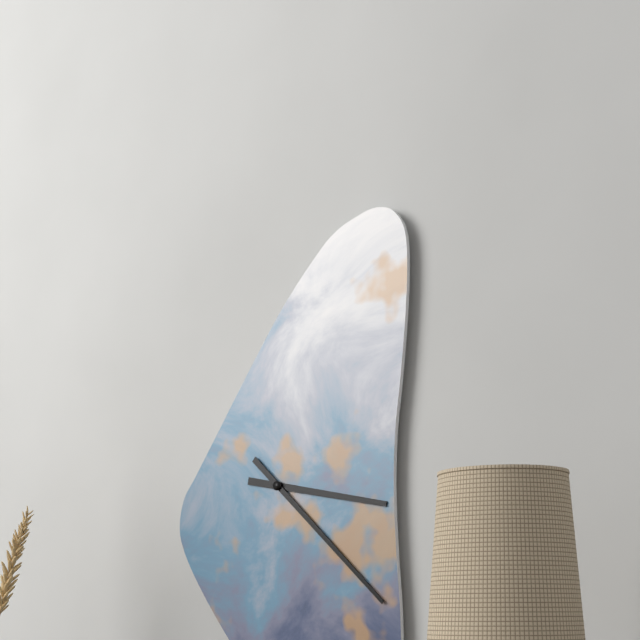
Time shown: **3:22**
